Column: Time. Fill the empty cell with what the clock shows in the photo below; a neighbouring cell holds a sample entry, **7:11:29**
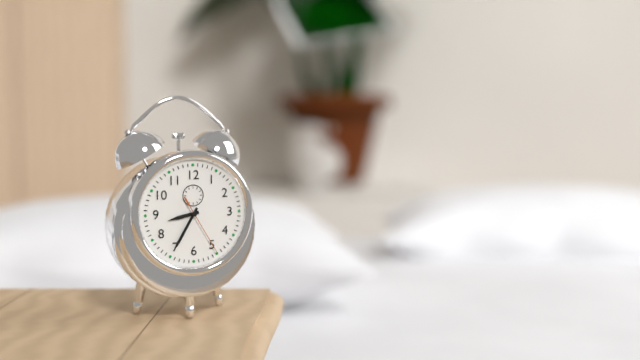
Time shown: **8:35:25**
